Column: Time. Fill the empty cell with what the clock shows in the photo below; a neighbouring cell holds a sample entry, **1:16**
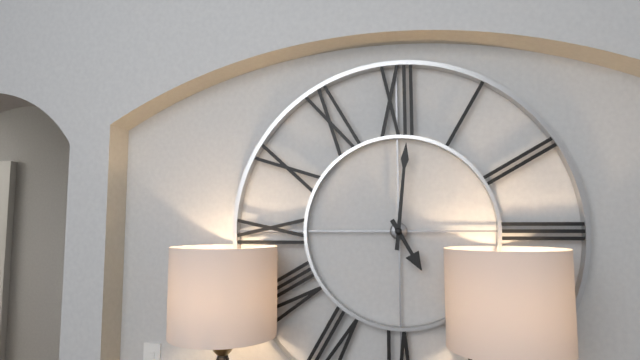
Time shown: **5:01**
